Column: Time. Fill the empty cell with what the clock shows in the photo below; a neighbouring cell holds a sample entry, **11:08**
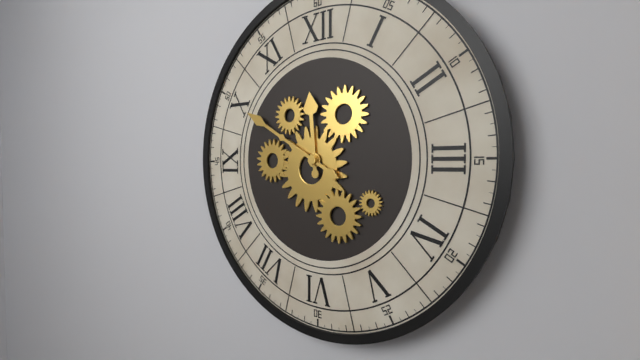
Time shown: **11:50**
